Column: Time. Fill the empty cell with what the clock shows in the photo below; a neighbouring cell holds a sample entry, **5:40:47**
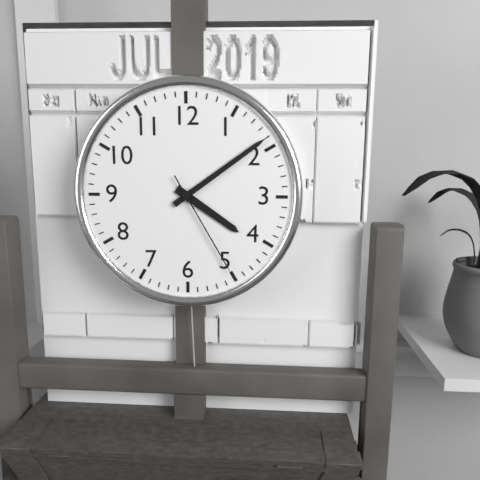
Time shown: **4:09:25**
